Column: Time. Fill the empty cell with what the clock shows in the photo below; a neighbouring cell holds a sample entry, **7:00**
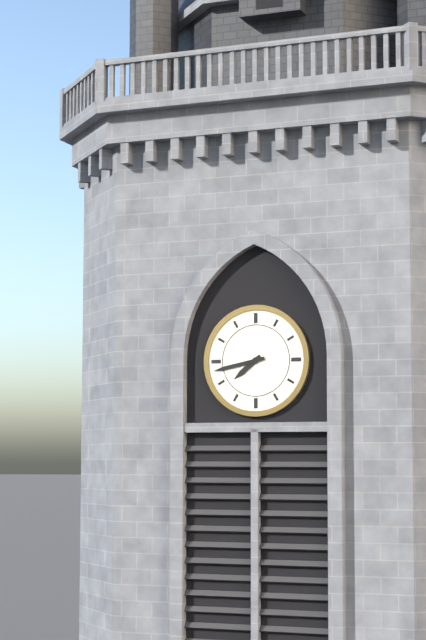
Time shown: **7:43**
